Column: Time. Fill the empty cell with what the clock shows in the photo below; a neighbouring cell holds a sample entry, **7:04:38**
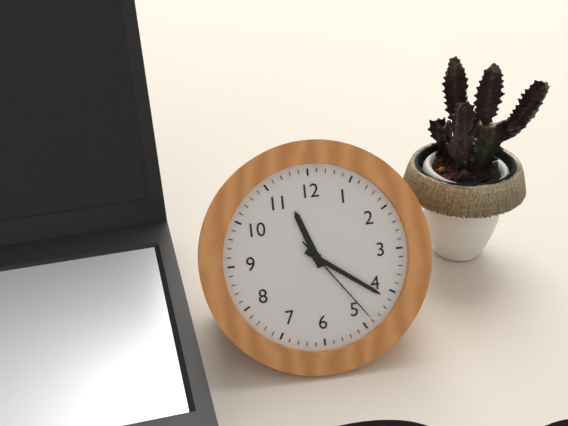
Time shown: **11:21:24**
